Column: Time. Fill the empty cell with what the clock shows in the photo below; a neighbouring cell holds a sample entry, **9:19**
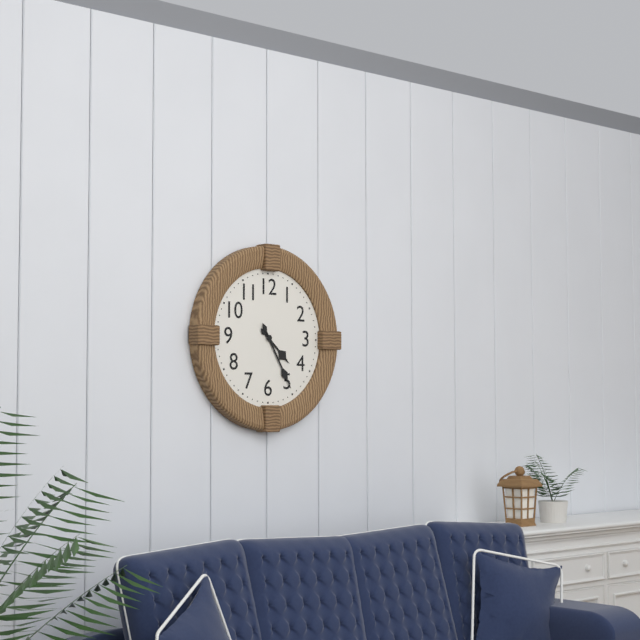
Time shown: **4:25**
